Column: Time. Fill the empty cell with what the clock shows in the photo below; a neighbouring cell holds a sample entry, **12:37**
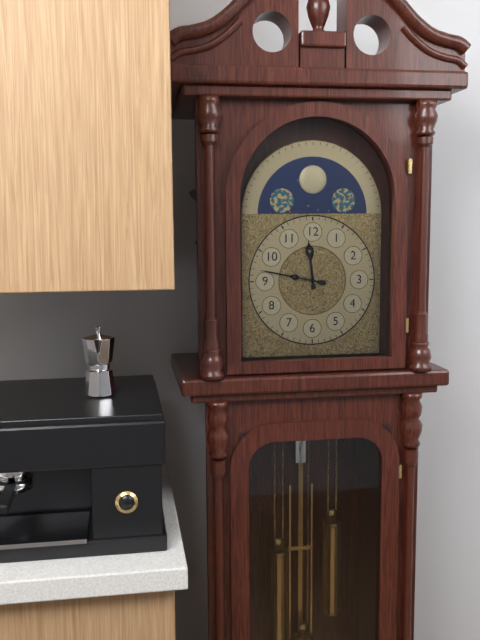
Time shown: **11:47**
